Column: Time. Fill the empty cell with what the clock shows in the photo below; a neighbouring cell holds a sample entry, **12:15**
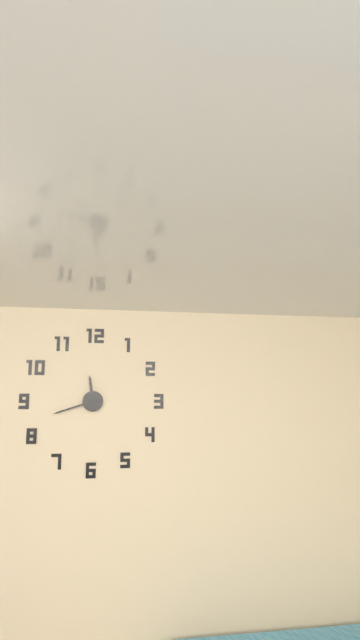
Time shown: **11:42**
